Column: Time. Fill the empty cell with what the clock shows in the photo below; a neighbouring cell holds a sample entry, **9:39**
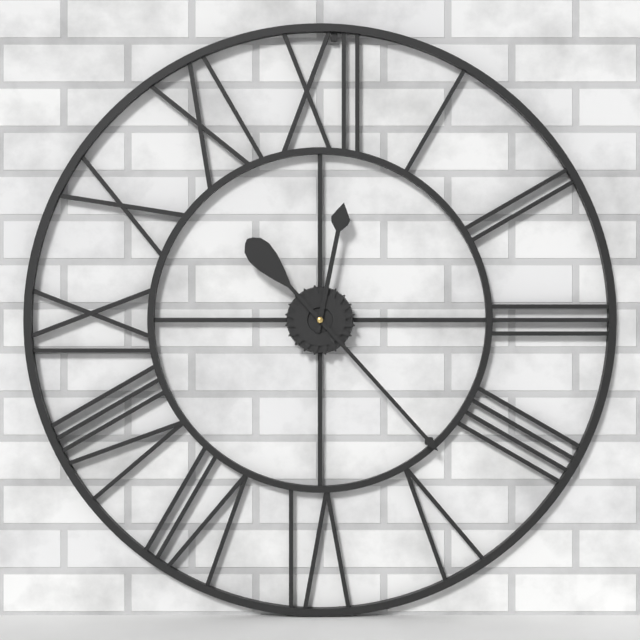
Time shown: **12:23**
